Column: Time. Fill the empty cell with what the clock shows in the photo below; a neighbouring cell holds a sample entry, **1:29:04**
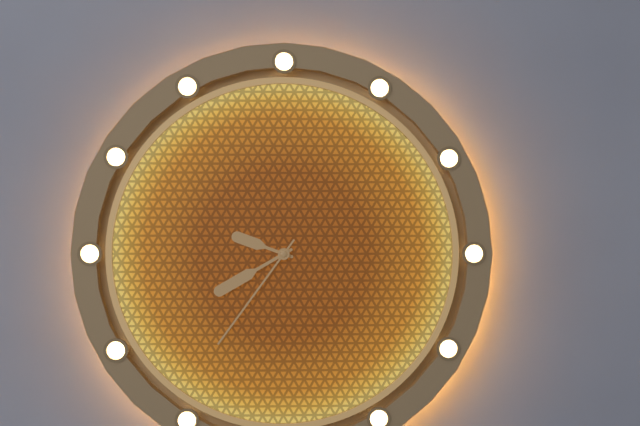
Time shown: **9:40:36**
